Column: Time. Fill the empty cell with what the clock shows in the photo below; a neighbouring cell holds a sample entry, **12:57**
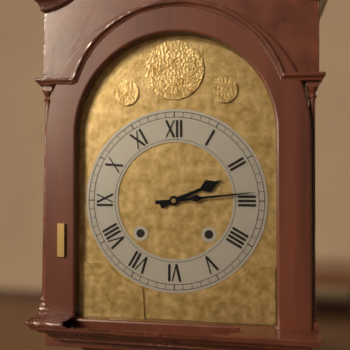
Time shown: **2:14**
